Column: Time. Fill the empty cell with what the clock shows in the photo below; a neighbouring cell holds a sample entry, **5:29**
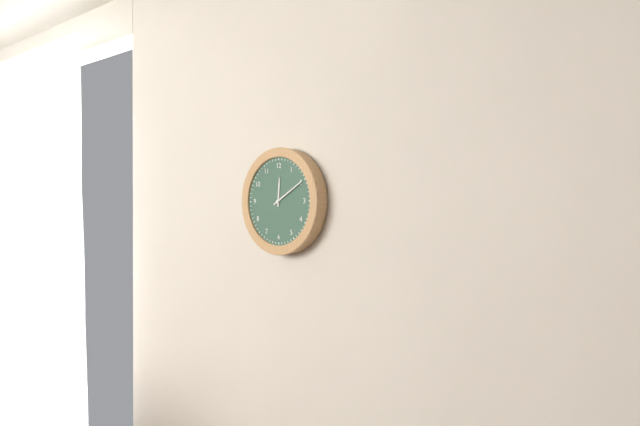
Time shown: **12:10**
